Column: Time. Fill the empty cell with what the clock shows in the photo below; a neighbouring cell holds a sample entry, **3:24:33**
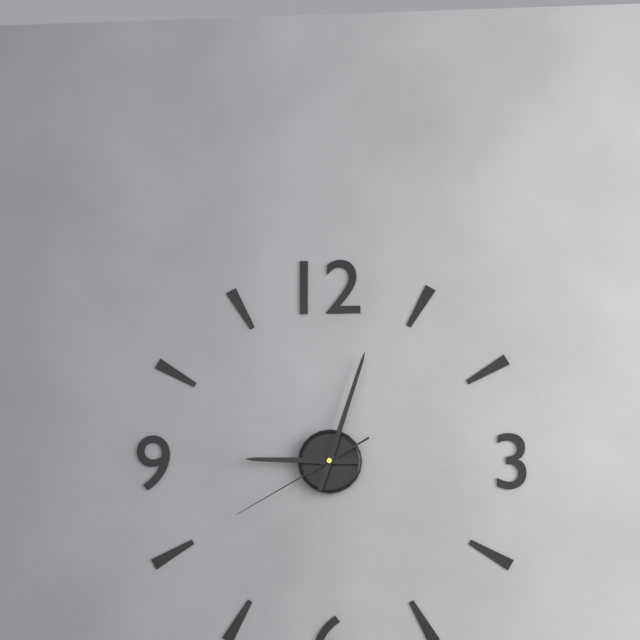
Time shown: **9:03:40**
